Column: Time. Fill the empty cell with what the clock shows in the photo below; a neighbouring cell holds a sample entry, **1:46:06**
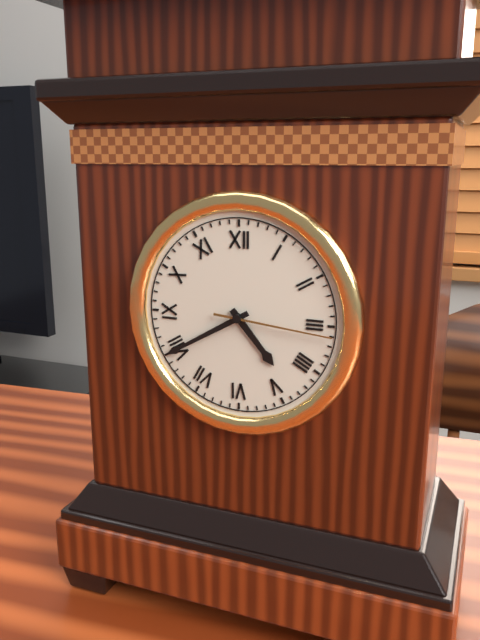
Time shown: **4:40:16**
